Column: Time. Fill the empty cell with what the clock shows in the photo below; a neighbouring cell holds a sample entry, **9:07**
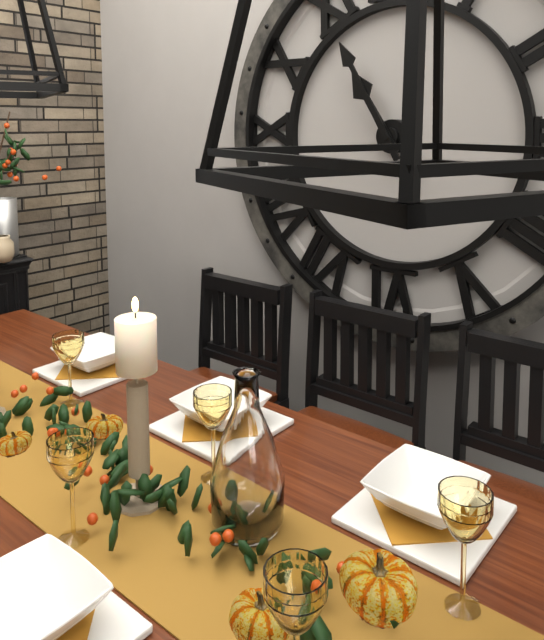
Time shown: **10:55**
